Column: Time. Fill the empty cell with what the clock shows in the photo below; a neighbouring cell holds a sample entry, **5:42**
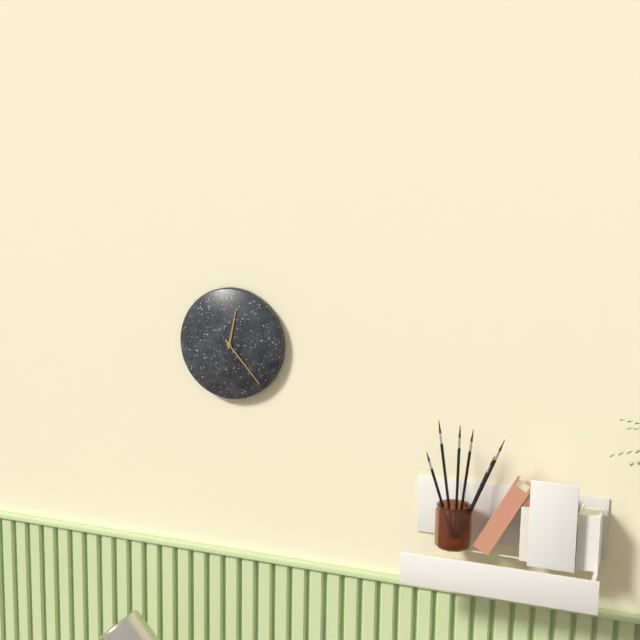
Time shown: **12:23**
